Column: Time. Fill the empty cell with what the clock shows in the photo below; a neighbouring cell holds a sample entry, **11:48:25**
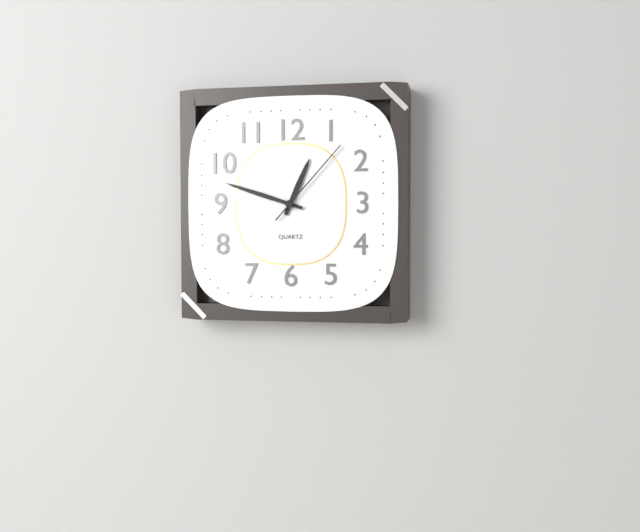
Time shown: **12:48:07**
